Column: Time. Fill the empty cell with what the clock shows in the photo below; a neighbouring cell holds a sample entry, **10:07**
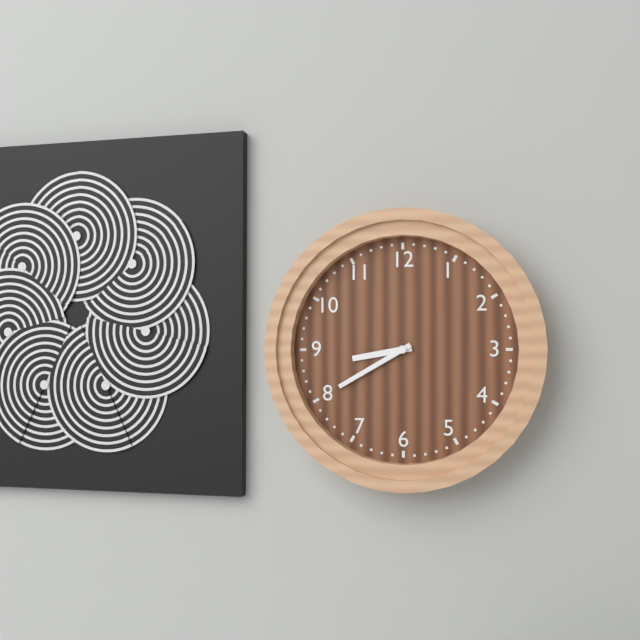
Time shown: **8:40**
